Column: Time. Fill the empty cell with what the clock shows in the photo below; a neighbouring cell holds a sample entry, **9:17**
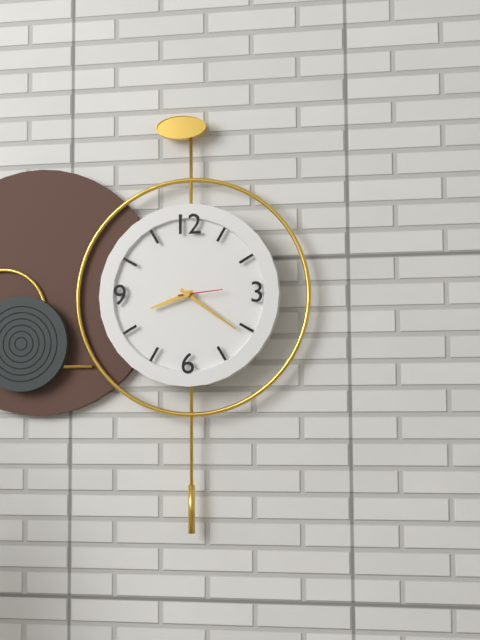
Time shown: **8:21**
